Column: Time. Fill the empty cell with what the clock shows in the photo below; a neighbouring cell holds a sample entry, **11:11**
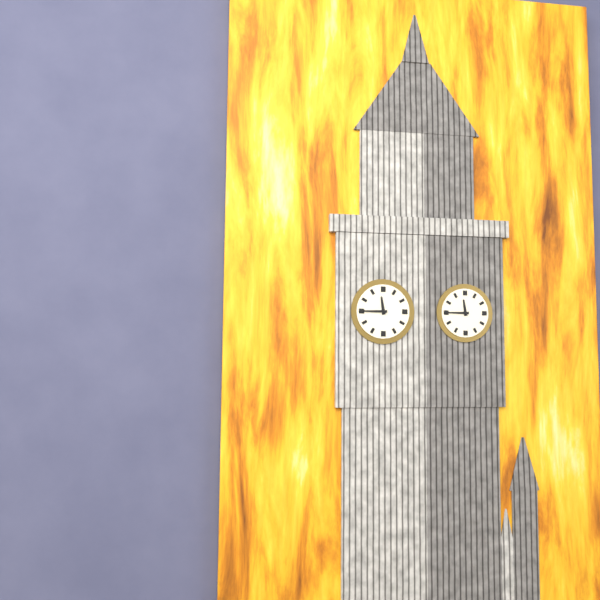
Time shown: **11:45**
